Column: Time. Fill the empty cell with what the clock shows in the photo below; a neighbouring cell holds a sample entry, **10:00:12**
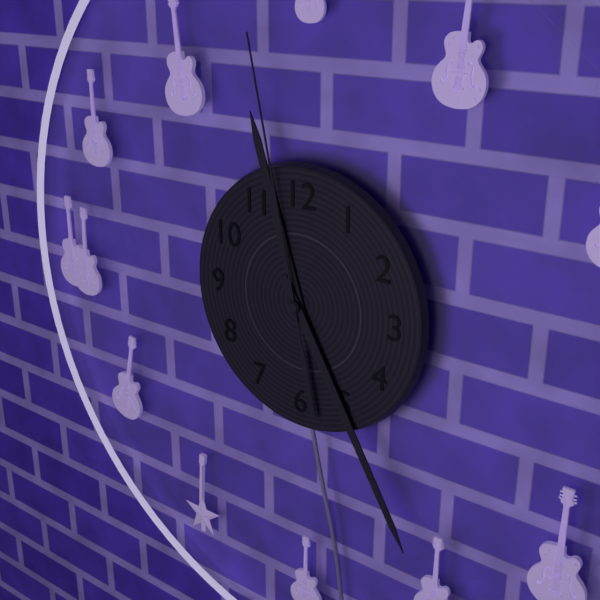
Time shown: **11:25:58**
